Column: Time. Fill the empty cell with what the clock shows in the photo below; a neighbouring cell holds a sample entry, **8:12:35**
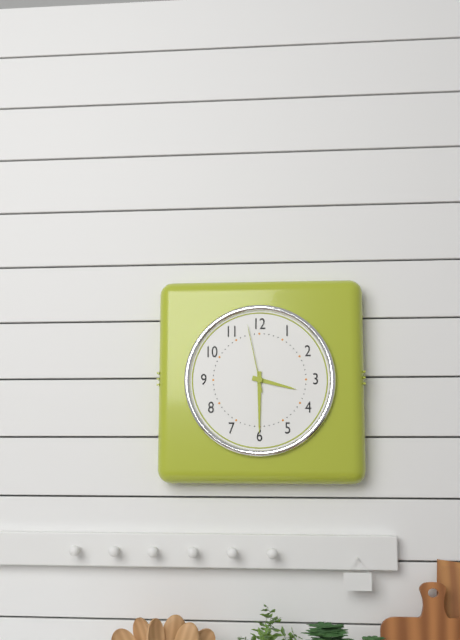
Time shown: **3:30:58**
